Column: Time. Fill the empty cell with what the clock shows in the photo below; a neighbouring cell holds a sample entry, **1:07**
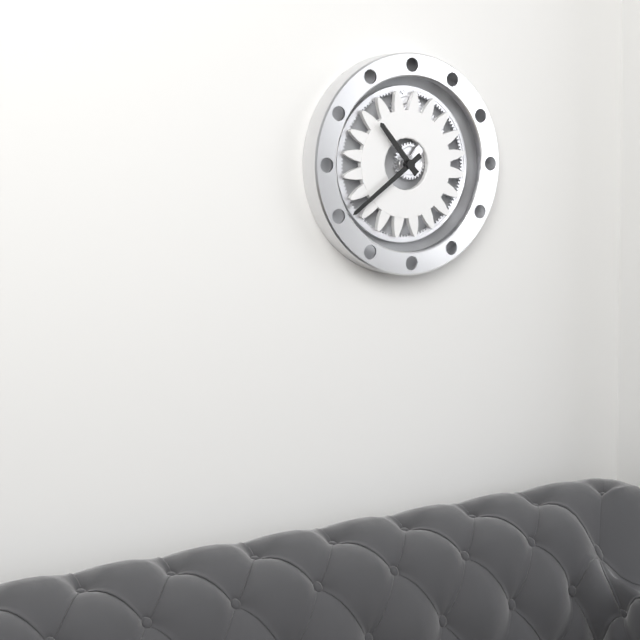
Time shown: **10:39**
